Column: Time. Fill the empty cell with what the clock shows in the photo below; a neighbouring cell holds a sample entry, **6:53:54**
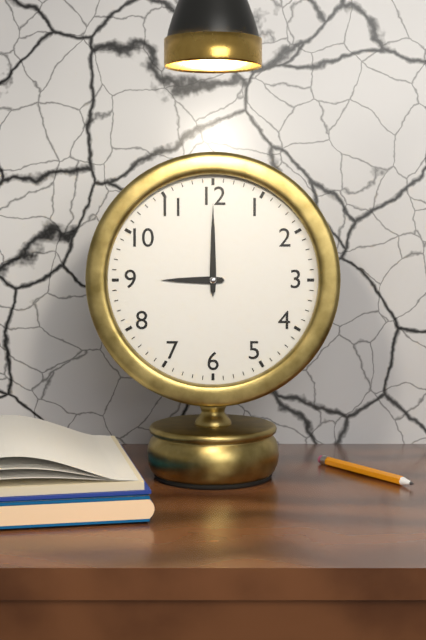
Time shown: **9:00:00**
